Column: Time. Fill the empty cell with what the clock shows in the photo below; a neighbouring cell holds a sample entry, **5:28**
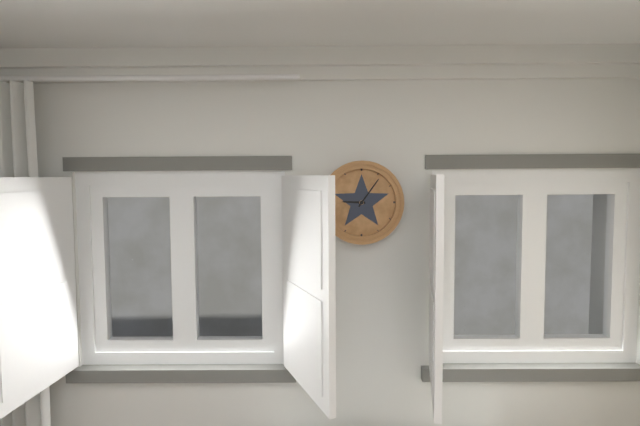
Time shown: **9:06**
